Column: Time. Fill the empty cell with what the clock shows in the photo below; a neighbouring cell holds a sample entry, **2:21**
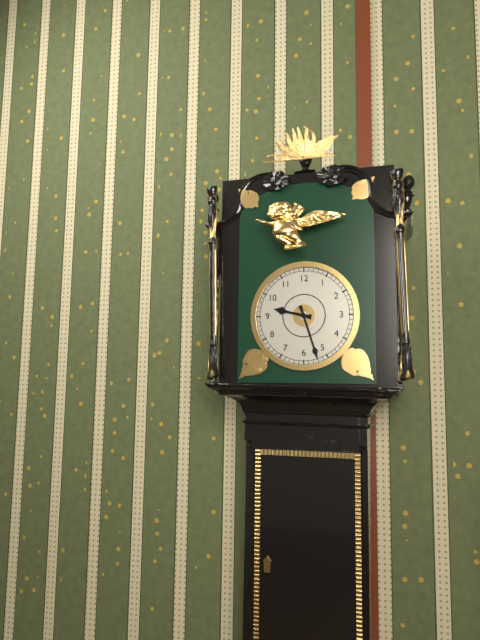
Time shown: **9:27**
